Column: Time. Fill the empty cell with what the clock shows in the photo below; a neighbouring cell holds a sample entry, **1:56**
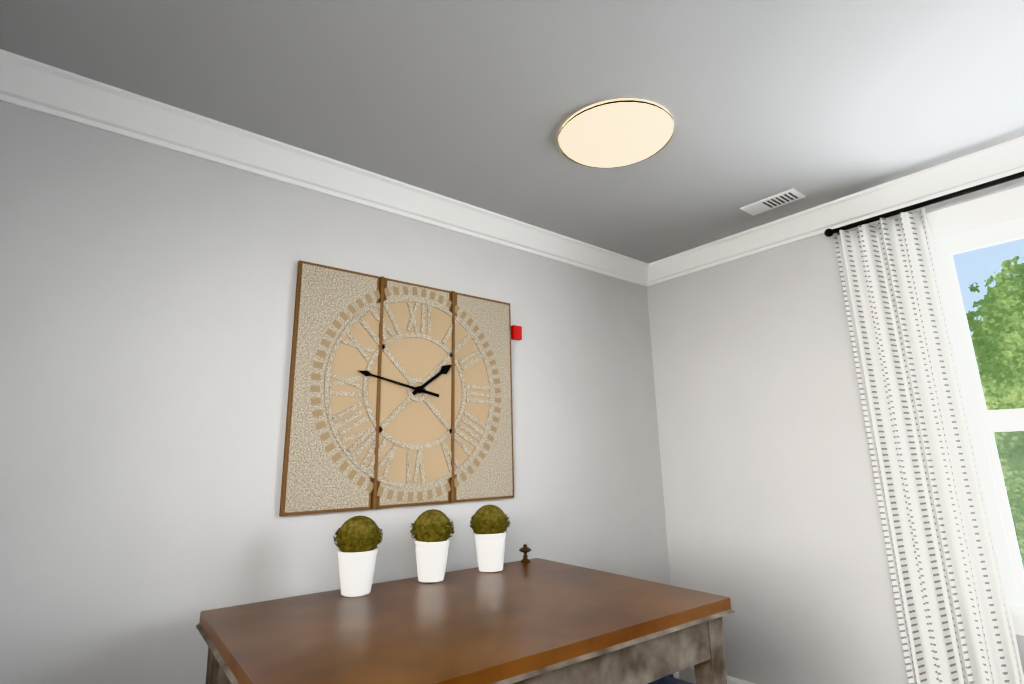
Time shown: **1:47**
